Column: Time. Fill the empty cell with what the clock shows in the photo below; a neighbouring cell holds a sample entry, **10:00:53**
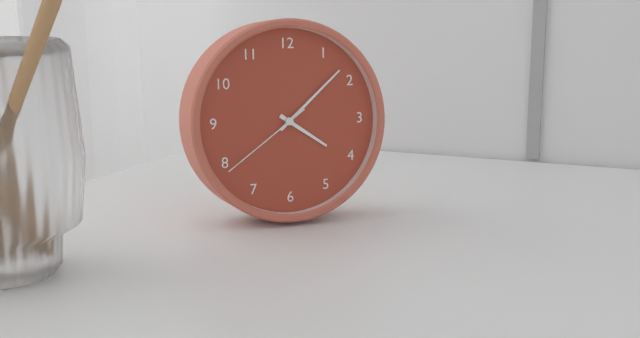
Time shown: **4:08:39**
